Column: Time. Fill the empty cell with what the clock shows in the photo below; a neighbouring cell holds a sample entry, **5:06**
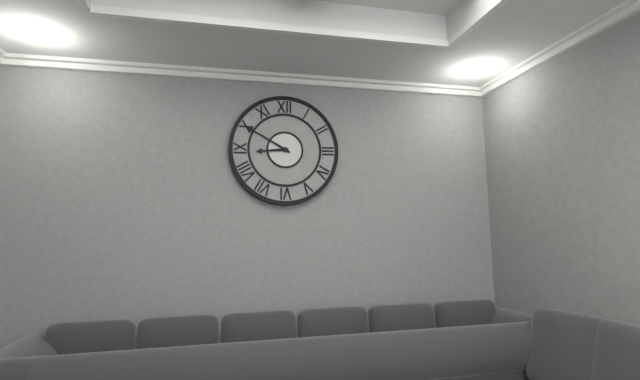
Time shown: **8:50**
